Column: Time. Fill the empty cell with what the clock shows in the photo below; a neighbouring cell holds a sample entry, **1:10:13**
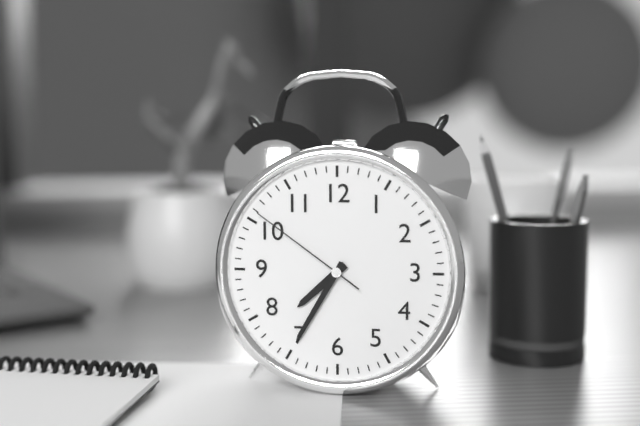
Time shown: **7:35:51**
